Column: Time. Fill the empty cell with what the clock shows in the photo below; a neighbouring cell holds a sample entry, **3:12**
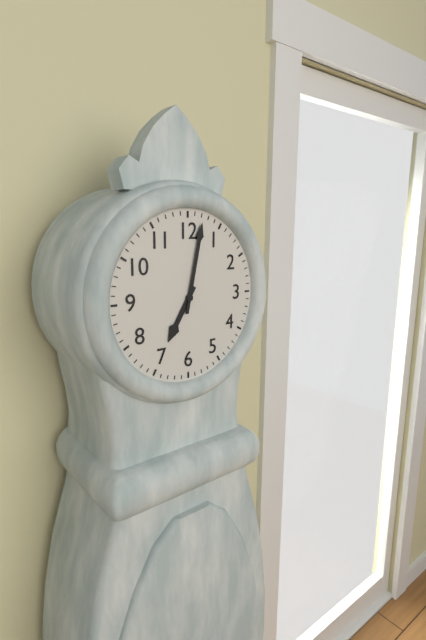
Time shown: **7:02**
